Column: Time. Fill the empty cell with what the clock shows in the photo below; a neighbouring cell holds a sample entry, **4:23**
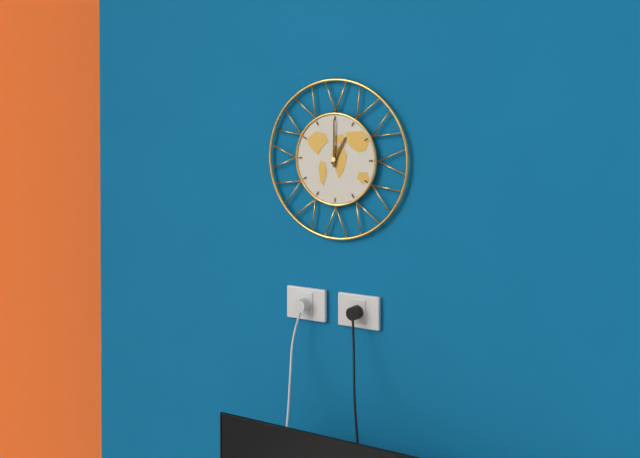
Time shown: **1:00**
